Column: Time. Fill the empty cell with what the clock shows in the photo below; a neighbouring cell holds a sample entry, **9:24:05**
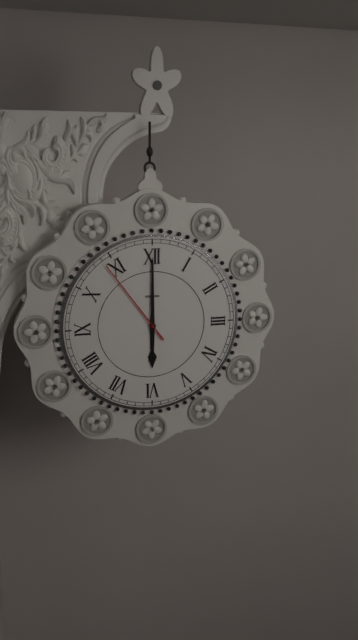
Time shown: **6:00:54**
